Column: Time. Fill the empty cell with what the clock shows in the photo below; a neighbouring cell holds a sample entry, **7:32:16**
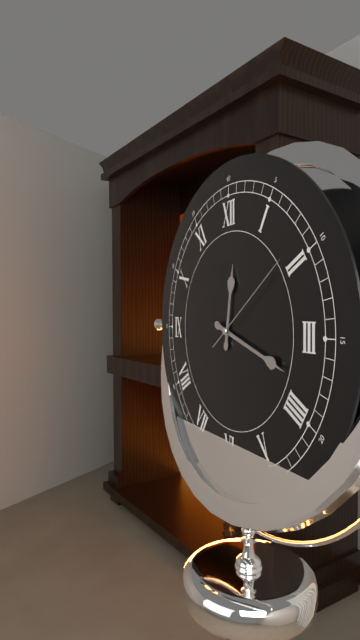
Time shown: **12:18:09**
